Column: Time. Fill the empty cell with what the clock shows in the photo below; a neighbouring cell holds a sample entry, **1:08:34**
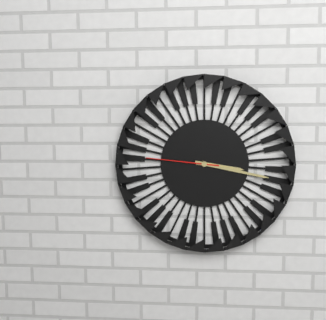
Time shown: **3:17:46**
